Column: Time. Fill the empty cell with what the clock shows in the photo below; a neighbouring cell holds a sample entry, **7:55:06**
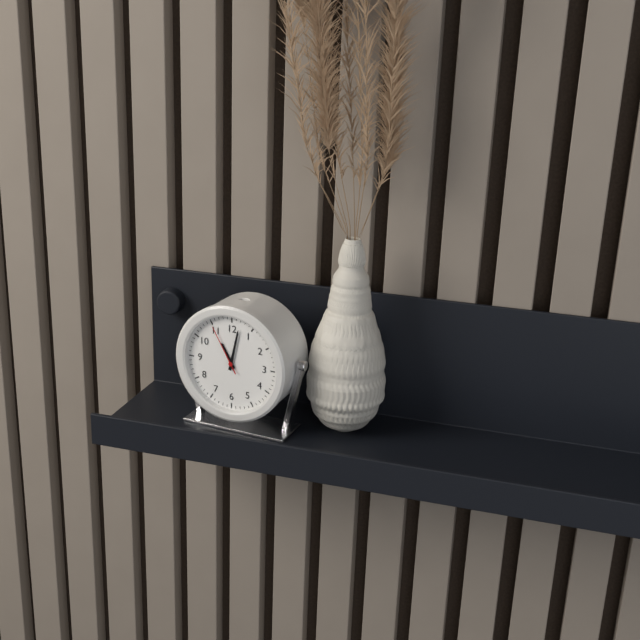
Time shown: **11:02:55**
